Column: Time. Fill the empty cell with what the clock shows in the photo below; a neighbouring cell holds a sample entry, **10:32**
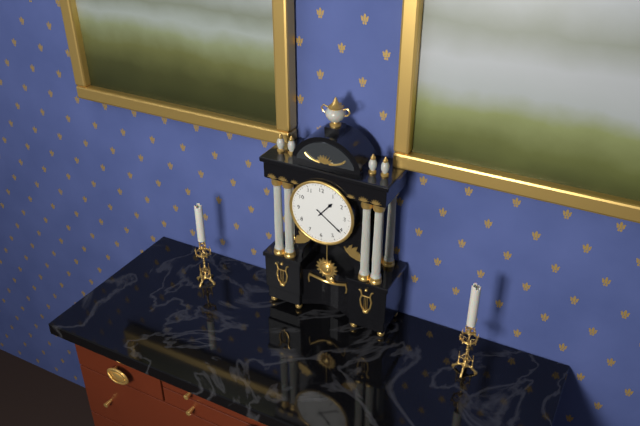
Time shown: **1:21**
